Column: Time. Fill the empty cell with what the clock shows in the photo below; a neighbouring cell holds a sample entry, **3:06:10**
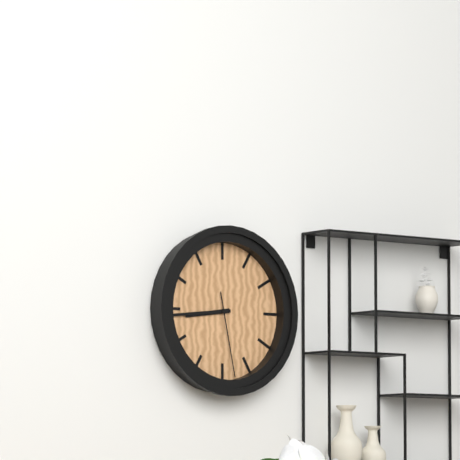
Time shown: **8:44:28**
